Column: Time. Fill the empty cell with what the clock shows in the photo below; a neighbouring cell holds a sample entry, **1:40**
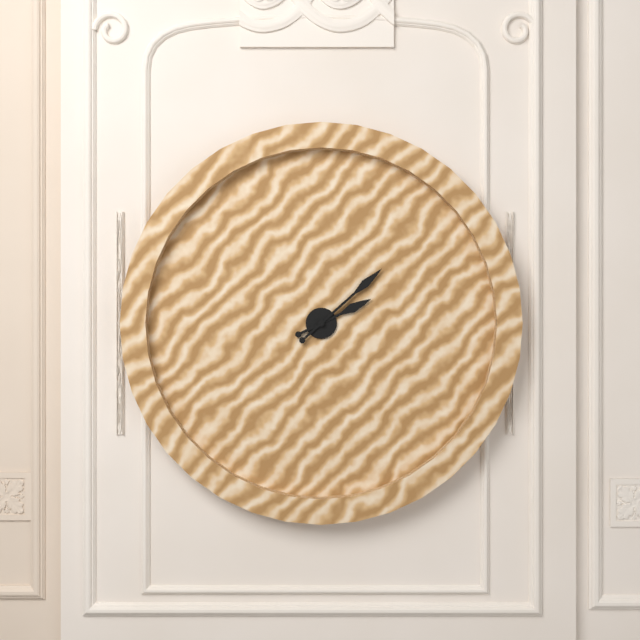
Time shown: **2:08**
